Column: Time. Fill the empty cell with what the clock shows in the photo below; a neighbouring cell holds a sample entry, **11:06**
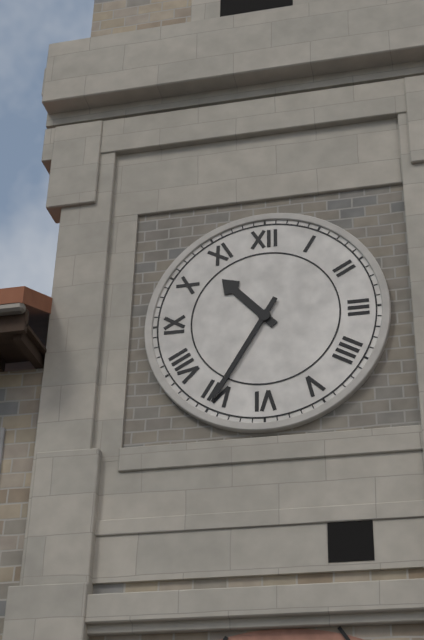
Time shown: **10:35**
